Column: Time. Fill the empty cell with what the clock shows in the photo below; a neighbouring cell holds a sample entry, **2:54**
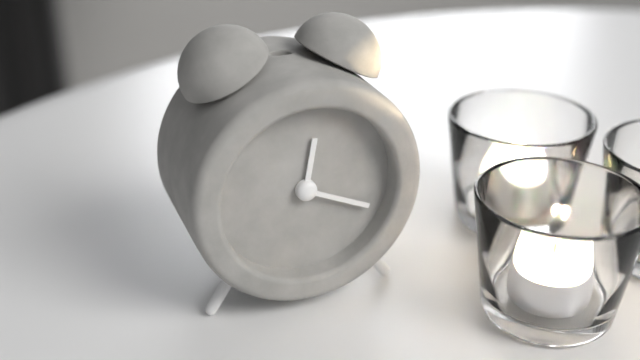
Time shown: **12:19**
